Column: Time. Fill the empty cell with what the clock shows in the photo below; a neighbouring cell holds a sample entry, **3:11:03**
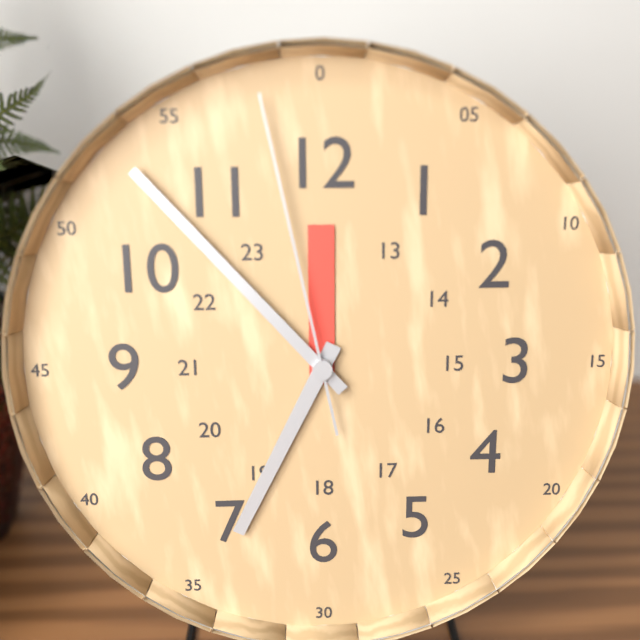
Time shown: **6:53:58**
